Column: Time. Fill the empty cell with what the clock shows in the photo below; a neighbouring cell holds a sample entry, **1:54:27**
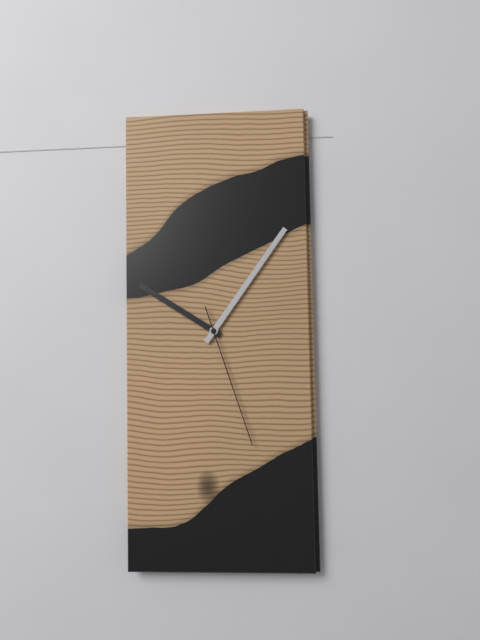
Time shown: **10:06:27**
